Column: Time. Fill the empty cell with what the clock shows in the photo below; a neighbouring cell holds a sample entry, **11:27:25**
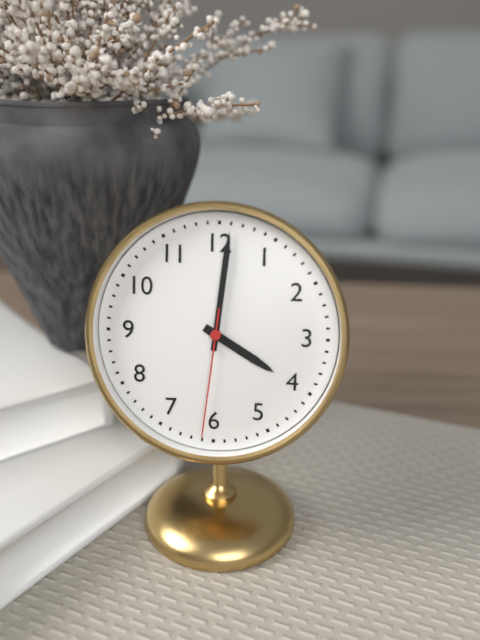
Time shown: **4:01:31**
